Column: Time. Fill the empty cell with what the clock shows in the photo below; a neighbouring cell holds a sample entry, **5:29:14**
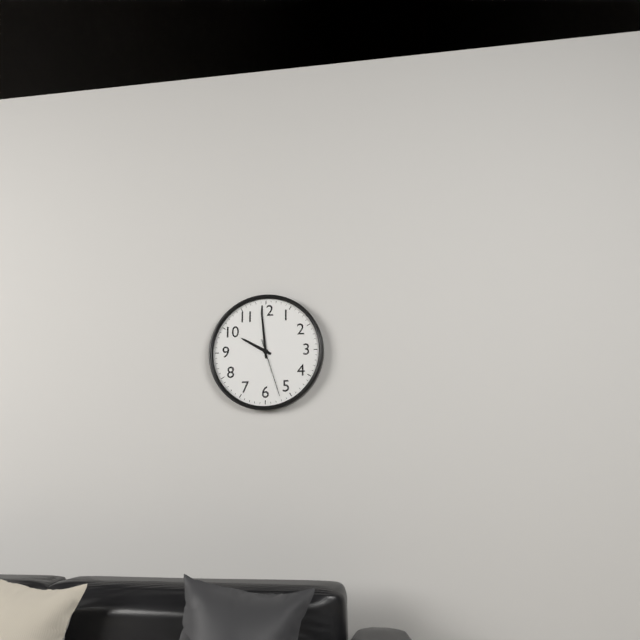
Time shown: **9:59:27**
